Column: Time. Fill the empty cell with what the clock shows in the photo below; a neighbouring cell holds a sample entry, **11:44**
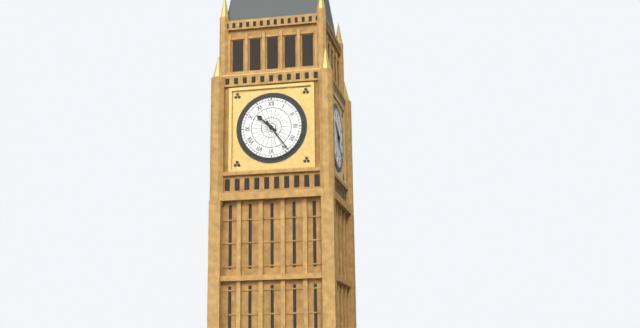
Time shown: **10:24**
